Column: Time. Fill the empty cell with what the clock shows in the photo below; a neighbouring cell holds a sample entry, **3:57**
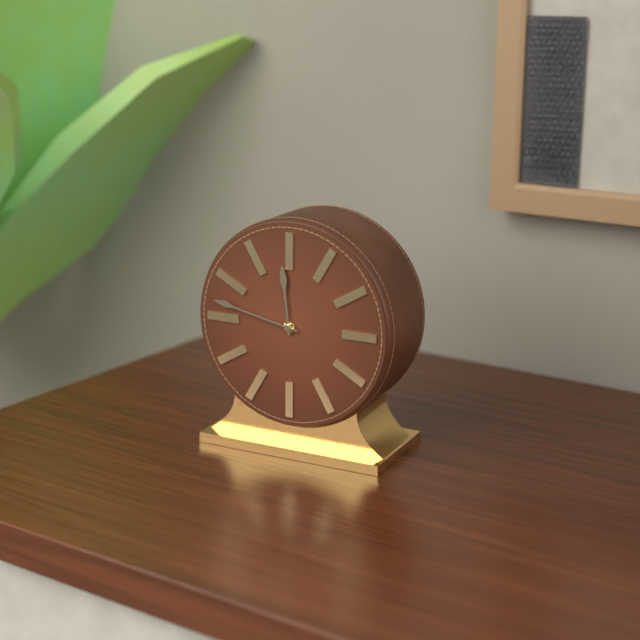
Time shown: **11:47**
